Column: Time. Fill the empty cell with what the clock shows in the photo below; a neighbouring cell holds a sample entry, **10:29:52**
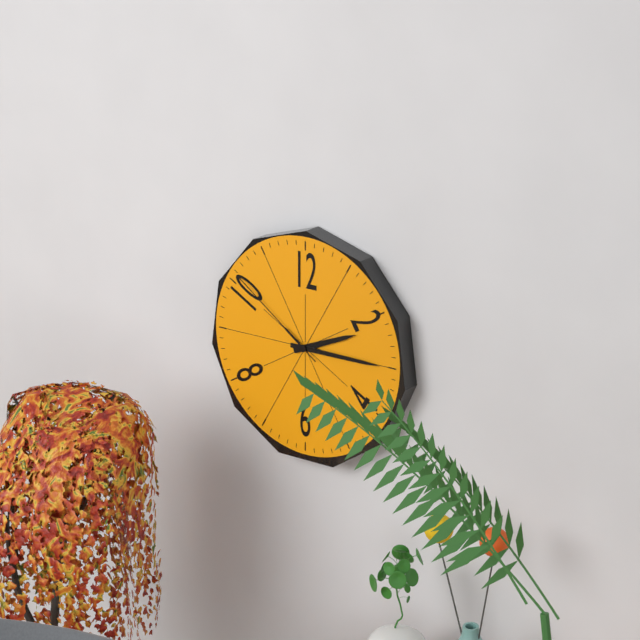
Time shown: **2:15:51**
